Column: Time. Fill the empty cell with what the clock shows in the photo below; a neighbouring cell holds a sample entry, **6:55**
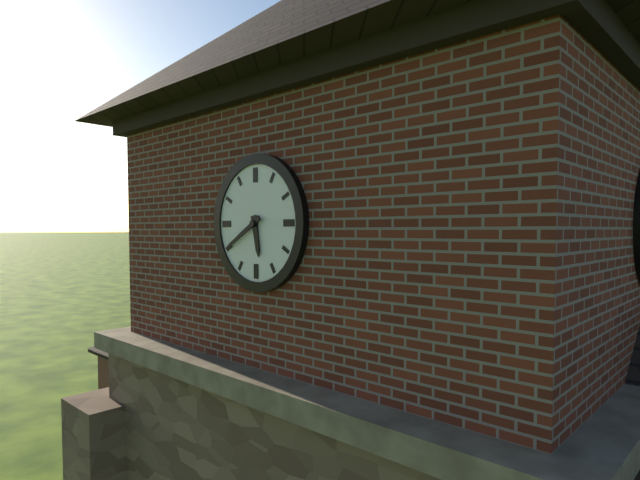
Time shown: **5:40**
